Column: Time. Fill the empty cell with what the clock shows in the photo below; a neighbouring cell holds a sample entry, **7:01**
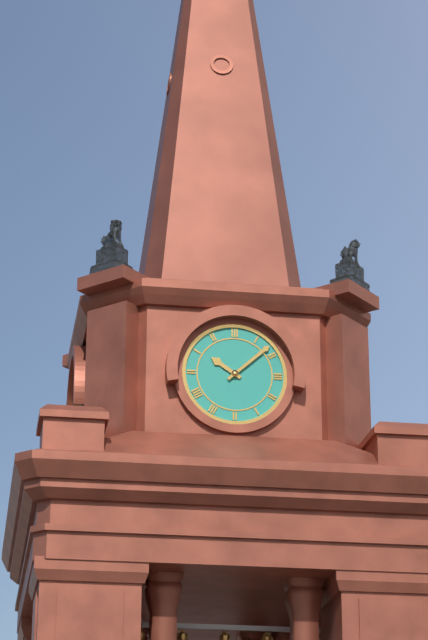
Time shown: **10:08**
